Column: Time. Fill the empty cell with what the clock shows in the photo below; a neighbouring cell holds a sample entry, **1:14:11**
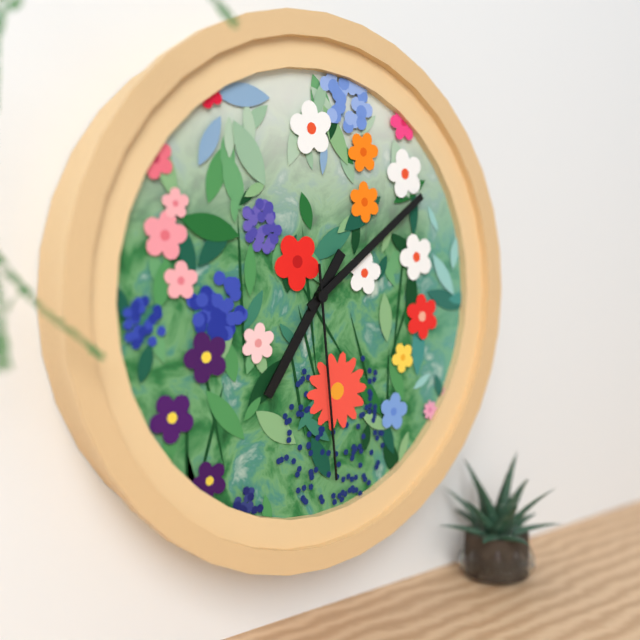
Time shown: **7:09:29**
